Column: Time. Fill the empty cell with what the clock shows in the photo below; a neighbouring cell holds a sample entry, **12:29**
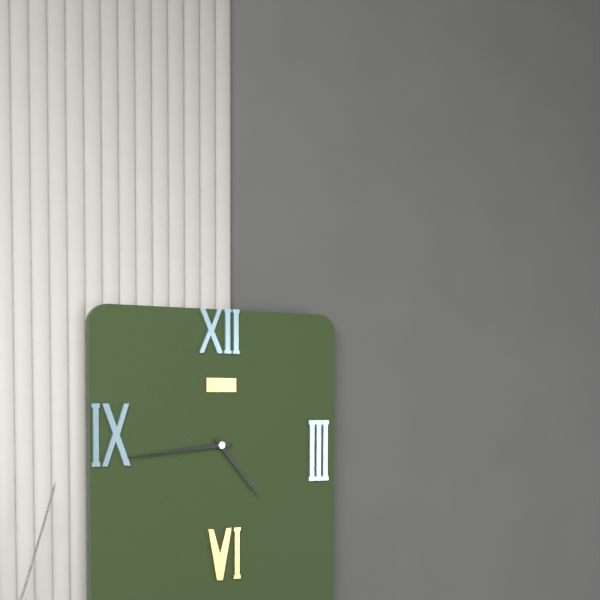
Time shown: **4:44**
